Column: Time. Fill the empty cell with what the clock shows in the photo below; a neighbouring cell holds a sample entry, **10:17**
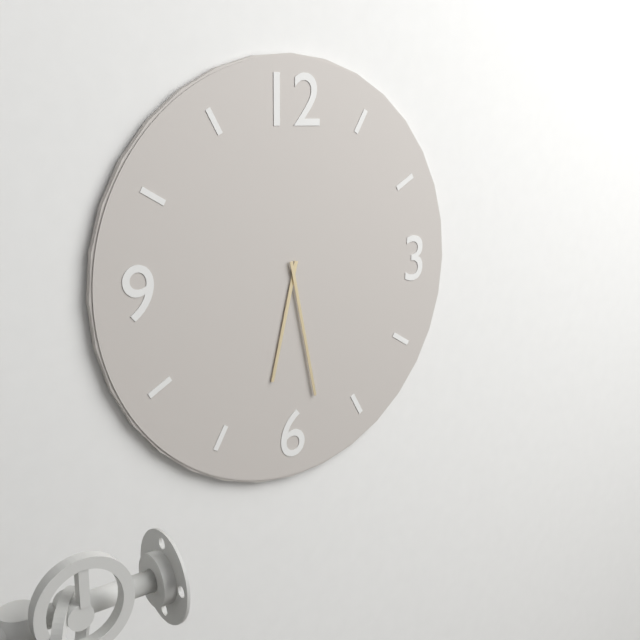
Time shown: **6:28**
